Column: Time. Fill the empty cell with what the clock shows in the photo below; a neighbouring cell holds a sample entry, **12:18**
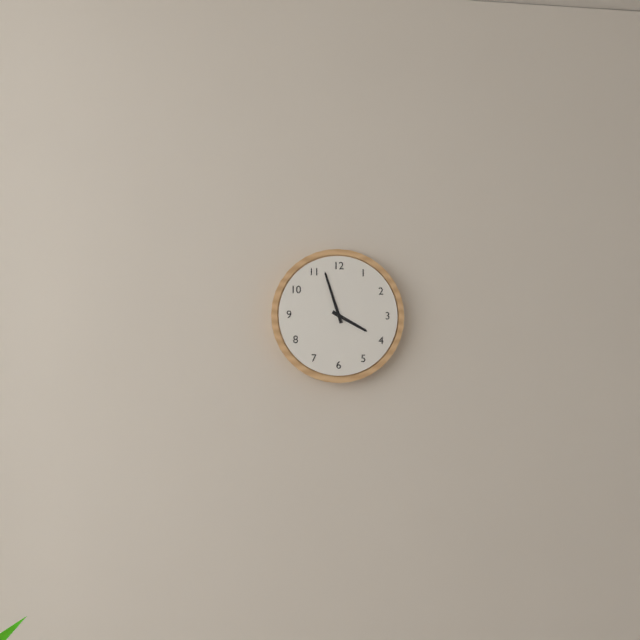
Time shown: **3:57**
